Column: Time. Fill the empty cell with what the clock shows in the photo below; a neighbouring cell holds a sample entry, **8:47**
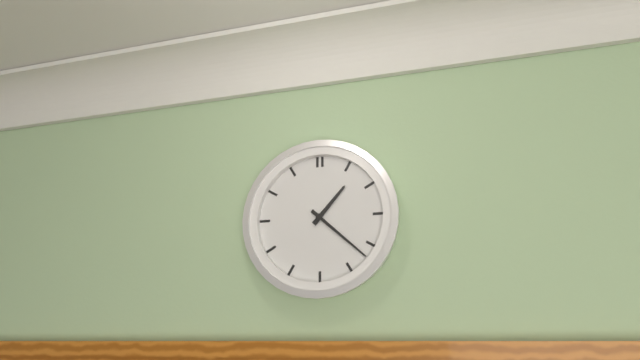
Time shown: **1:22**
